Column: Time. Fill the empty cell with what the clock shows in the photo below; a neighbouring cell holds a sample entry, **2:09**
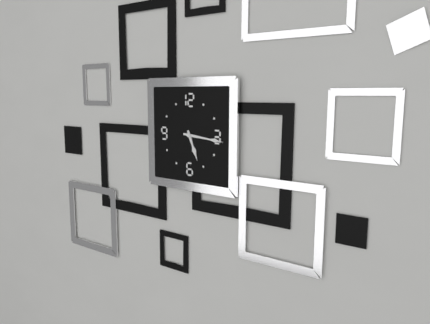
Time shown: **5:16**
